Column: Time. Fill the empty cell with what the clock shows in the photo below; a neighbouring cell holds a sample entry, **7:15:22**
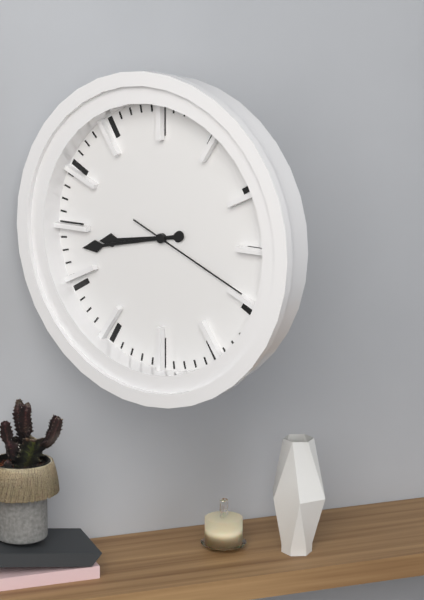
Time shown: **8:43:19**
